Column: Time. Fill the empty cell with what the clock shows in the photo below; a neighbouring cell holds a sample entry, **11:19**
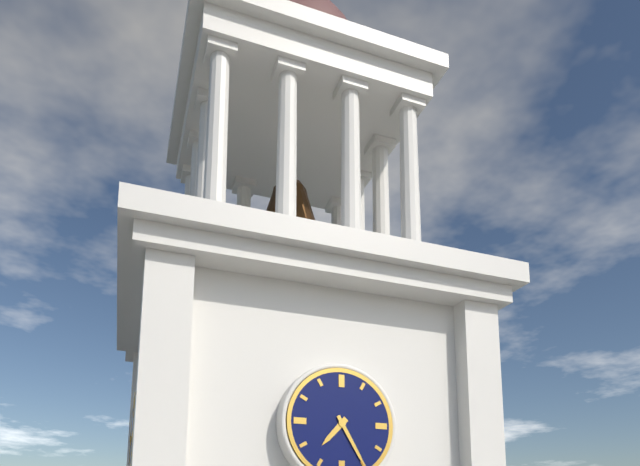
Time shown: **7:25**
